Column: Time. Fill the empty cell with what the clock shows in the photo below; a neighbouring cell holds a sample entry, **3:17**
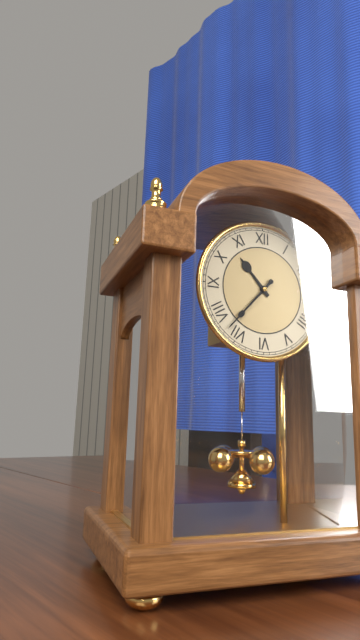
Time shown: **10:37**
